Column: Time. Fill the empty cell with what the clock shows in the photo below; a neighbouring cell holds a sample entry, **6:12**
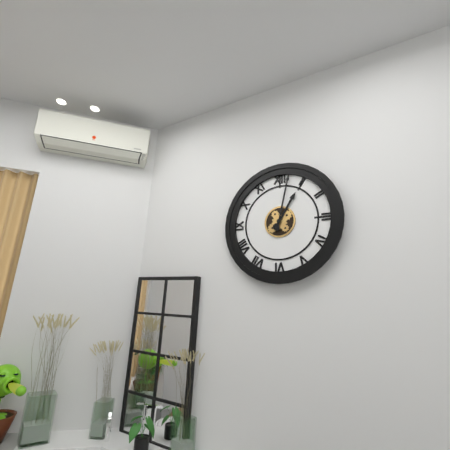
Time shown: **1:02**
